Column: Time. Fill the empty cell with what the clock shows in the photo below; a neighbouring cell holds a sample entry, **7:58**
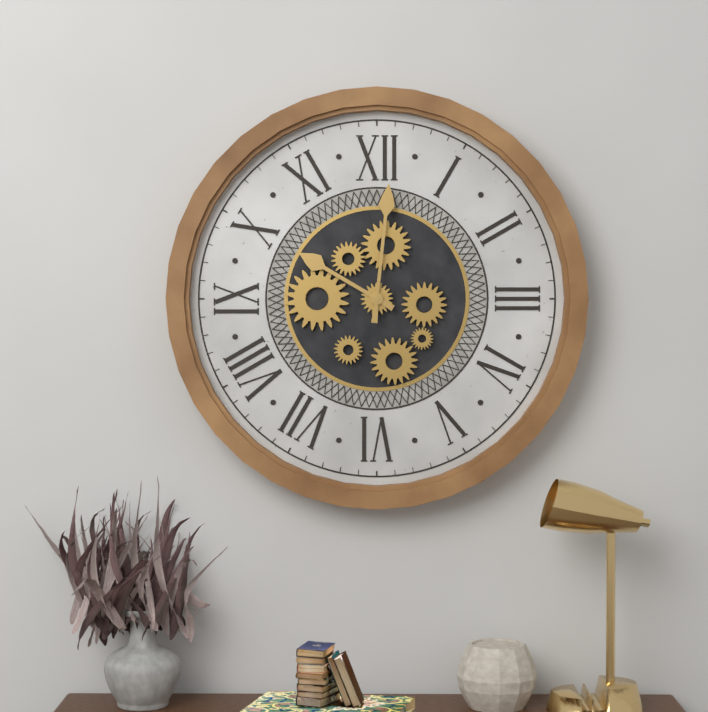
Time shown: **10:01**
